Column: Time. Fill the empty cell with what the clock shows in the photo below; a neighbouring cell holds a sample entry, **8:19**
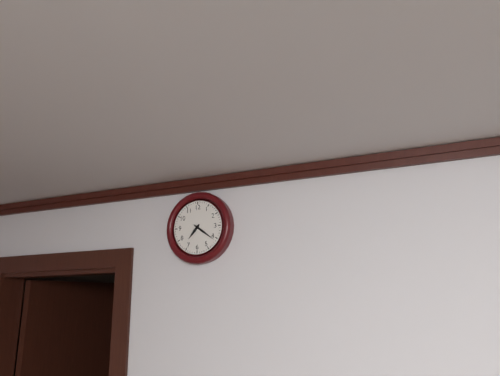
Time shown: **7:21**
